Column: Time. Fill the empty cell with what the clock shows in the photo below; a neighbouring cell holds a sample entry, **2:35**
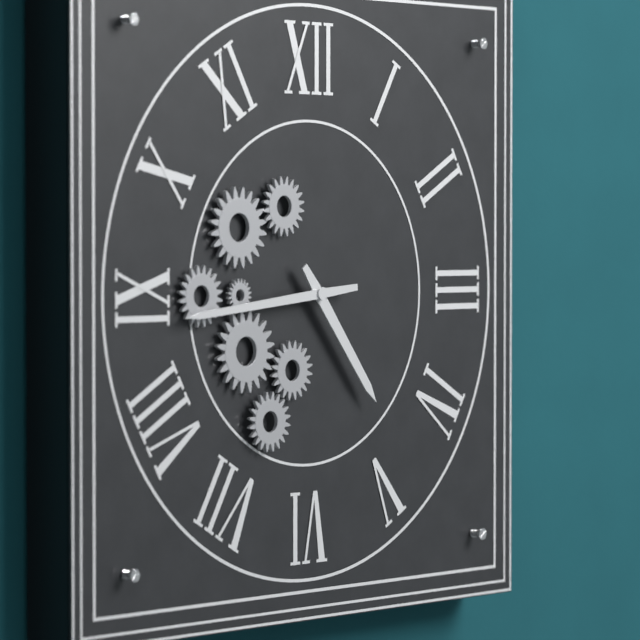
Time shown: **4:44**
